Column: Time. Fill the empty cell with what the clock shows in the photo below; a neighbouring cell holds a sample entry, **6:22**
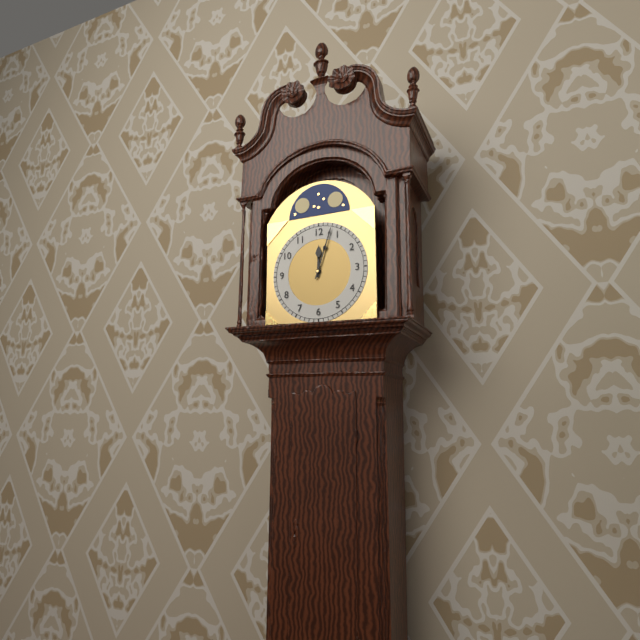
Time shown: **12:03**
